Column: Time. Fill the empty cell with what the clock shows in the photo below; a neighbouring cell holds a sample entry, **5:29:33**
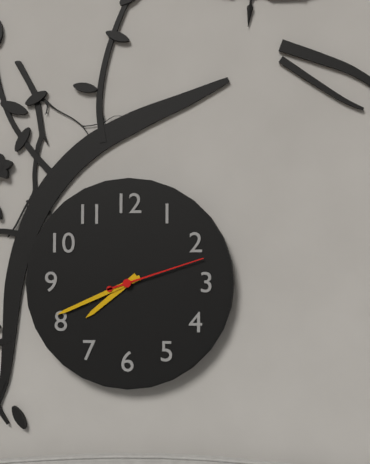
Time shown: **7:41:12**
